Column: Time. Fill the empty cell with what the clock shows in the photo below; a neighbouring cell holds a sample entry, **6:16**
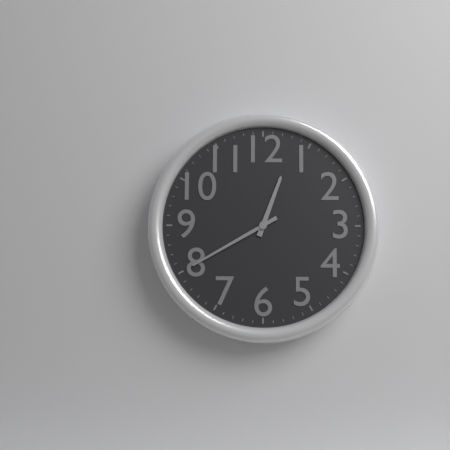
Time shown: **12:40**
